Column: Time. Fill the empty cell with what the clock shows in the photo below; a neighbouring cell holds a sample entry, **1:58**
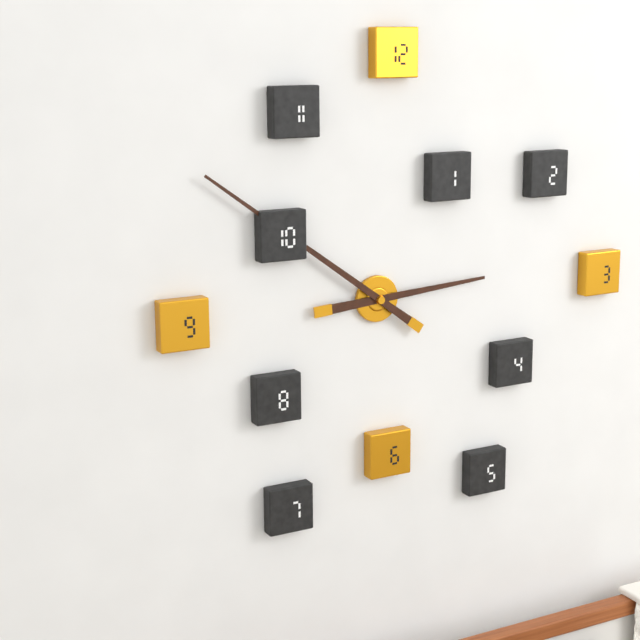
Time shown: **2:51**
